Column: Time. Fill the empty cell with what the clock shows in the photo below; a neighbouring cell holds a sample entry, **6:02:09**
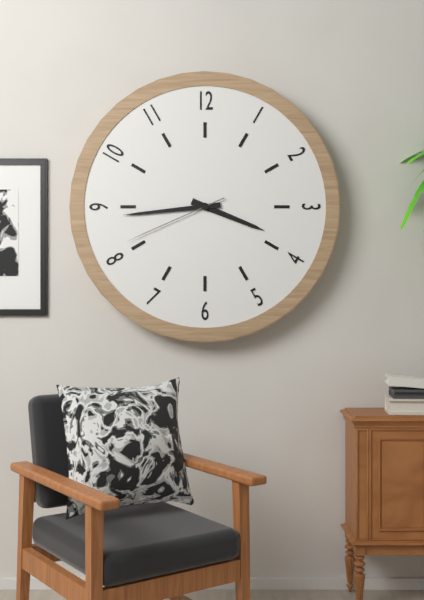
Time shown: **3:44:41**
